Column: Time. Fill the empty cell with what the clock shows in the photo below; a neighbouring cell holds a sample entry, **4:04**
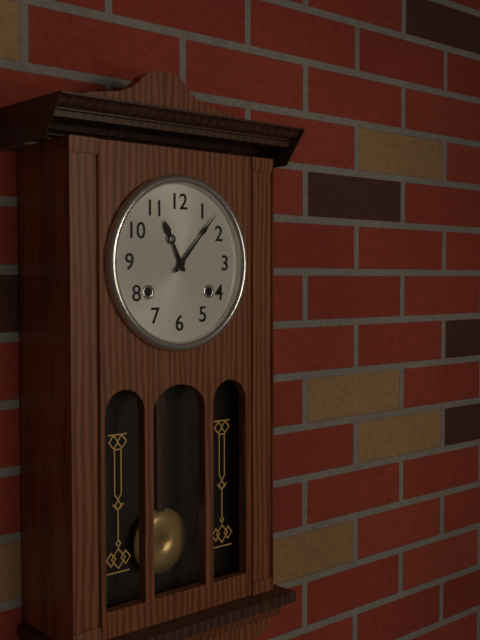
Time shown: **11:07**
